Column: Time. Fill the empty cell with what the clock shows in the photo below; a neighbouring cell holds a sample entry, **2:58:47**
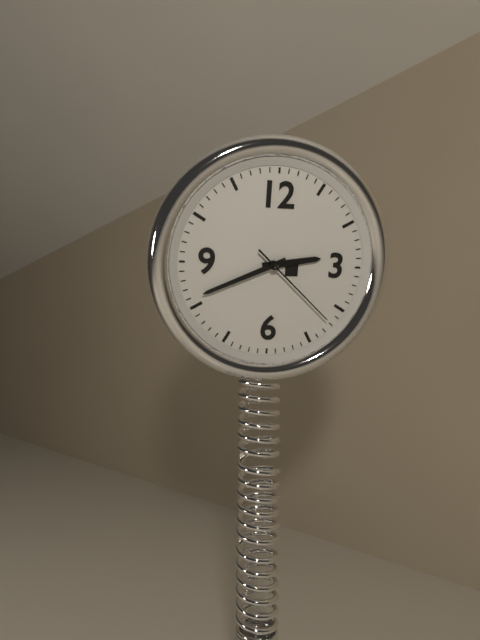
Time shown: **2:41:22**
